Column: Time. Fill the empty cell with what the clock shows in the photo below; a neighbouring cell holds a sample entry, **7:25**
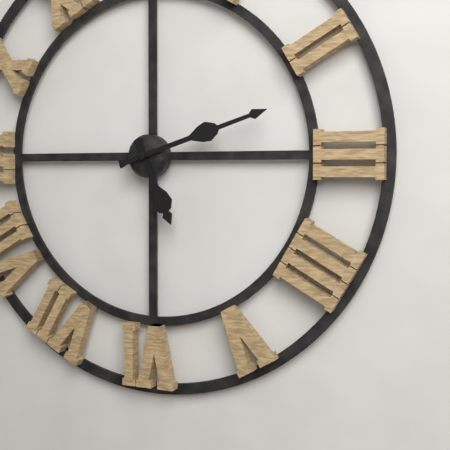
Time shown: **5:12**
